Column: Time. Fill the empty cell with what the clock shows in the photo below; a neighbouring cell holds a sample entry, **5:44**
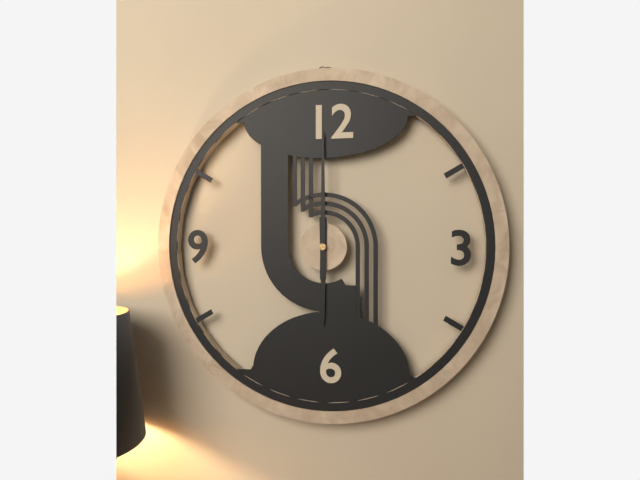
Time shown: **6:00**
